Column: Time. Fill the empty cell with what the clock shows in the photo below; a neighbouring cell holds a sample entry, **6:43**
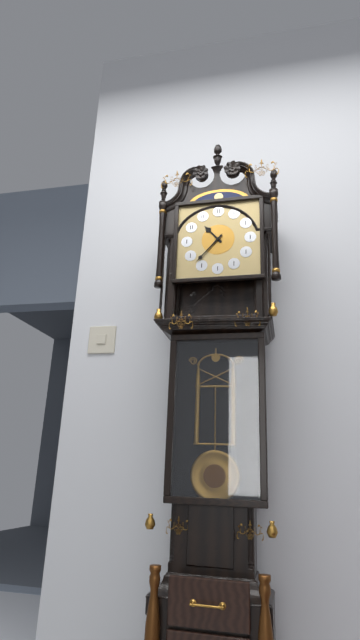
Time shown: **10:37**
